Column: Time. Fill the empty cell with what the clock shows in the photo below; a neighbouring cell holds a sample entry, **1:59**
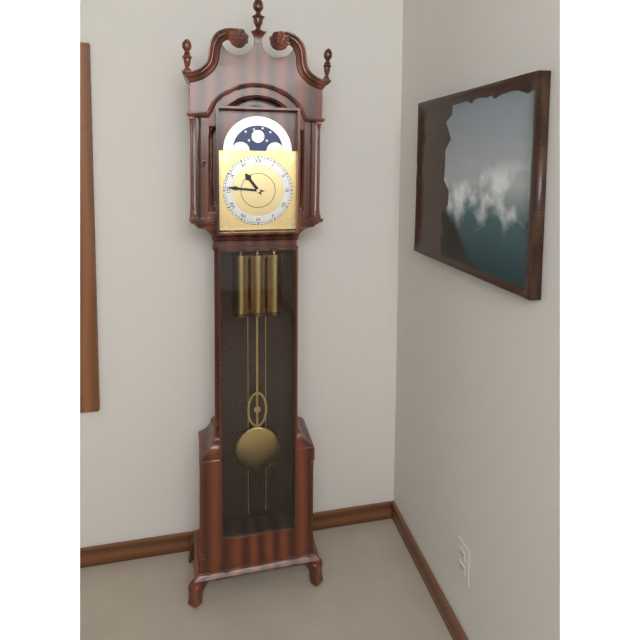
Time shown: **10:46**
